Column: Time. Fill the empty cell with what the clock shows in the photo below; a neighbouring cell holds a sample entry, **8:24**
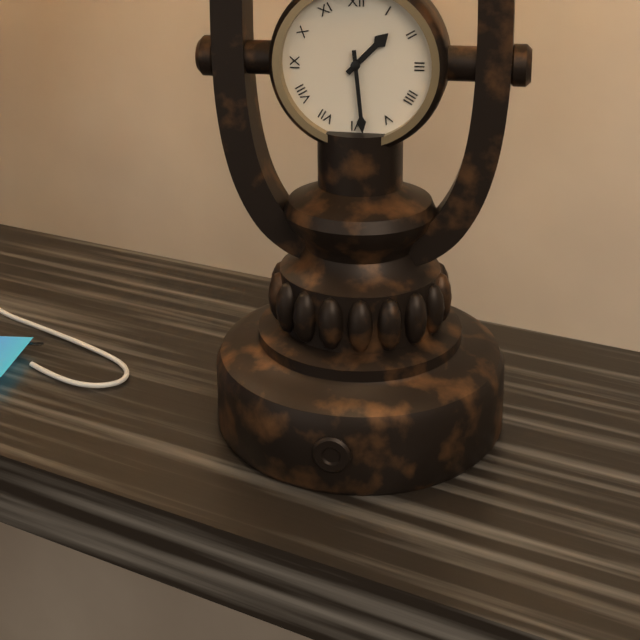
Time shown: **1:29**
